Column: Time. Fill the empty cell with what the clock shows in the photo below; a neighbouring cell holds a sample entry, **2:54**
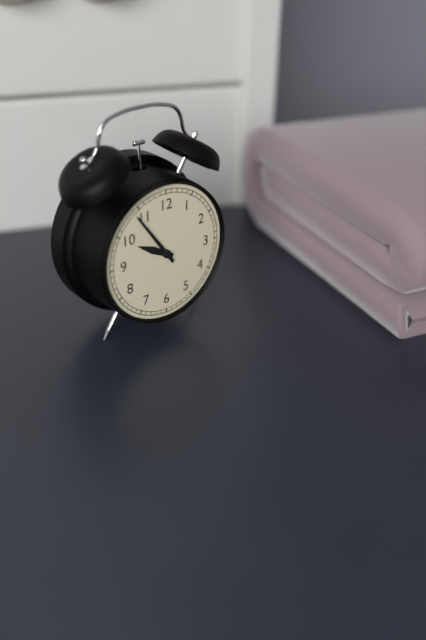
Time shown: **9:54**
